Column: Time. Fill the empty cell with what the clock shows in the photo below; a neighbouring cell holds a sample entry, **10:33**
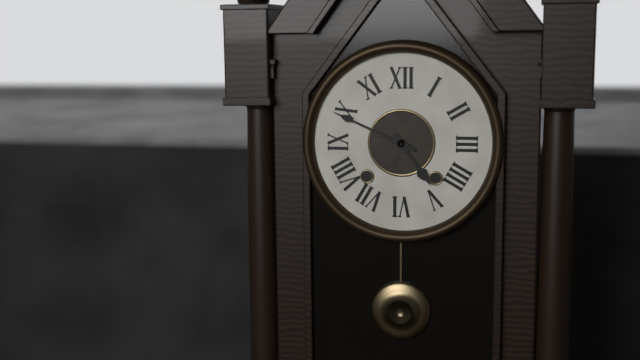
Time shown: **4:49**
